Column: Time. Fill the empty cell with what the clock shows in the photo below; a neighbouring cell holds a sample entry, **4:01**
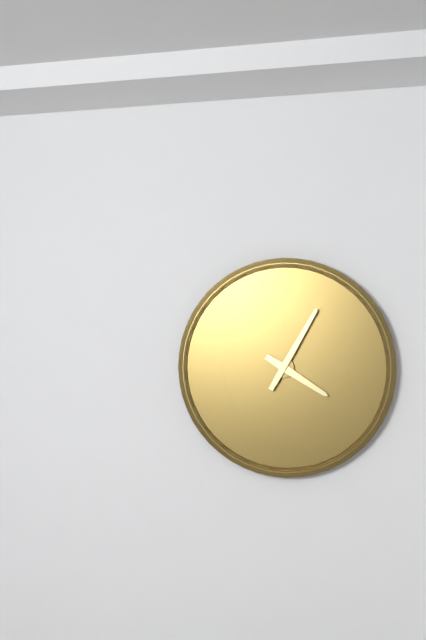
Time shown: **4:05**
